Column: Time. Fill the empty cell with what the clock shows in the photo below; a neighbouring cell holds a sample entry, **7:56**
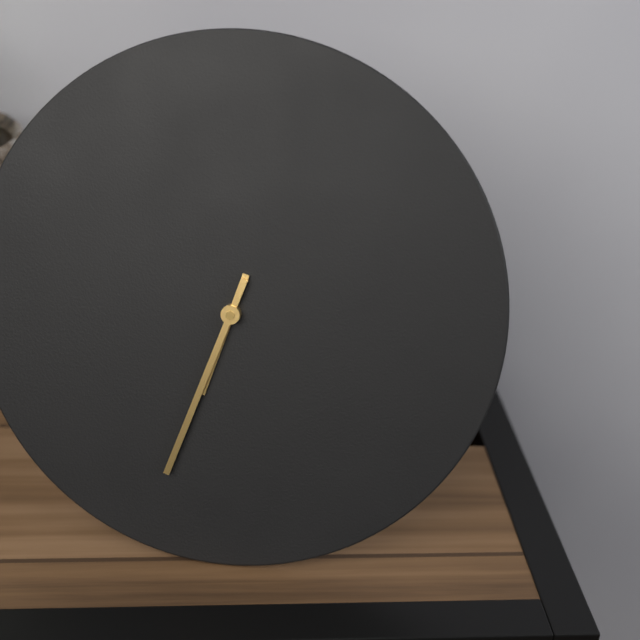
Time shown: **6:33**
